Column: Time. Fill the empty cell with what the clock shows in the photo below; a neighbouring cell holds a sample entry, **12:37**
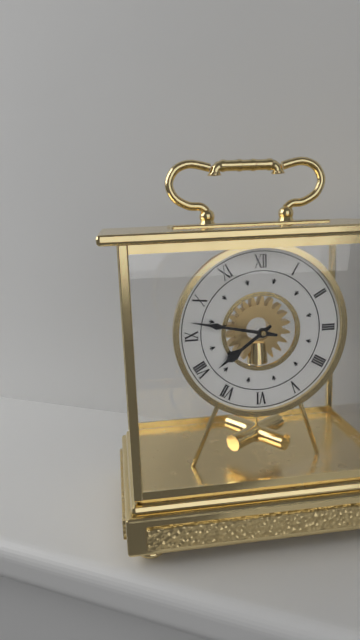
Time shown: **7:47**
